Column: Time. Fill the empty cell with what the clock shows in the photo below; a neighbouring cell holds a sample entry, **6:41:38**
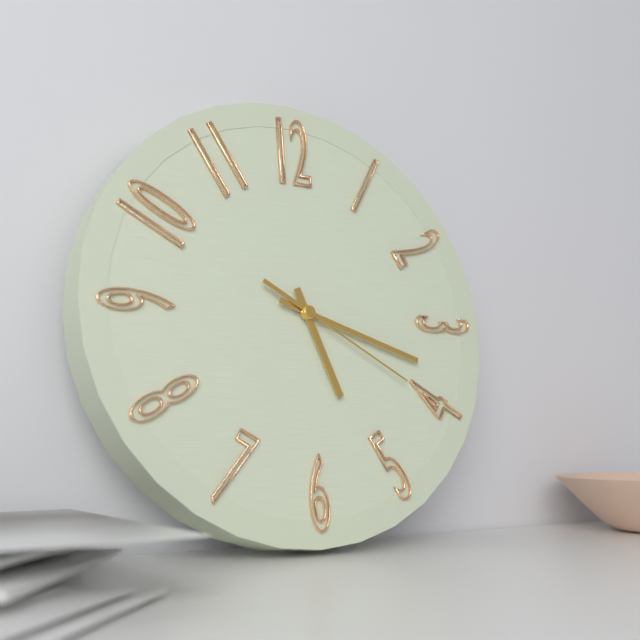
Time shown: **5:18:20**
